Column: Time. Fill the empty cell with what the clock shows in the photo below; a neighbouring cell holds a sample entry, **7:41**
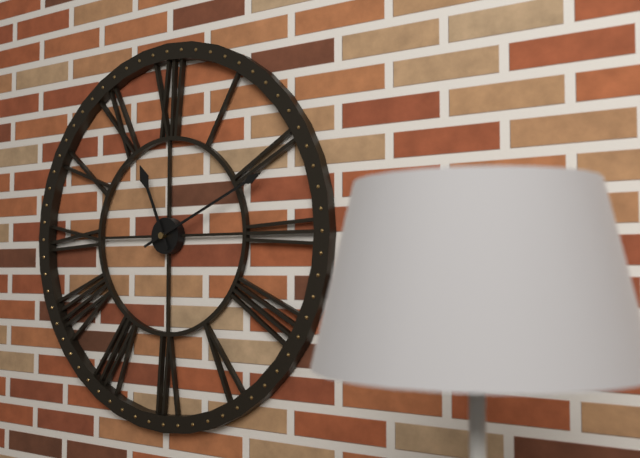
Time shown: **11:11**
